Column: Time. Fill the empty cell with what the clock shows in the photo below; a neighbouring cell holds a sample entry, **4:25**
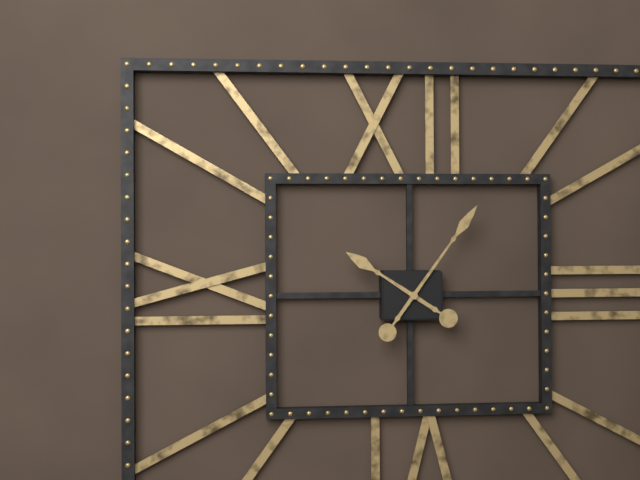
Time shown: **10:06**
